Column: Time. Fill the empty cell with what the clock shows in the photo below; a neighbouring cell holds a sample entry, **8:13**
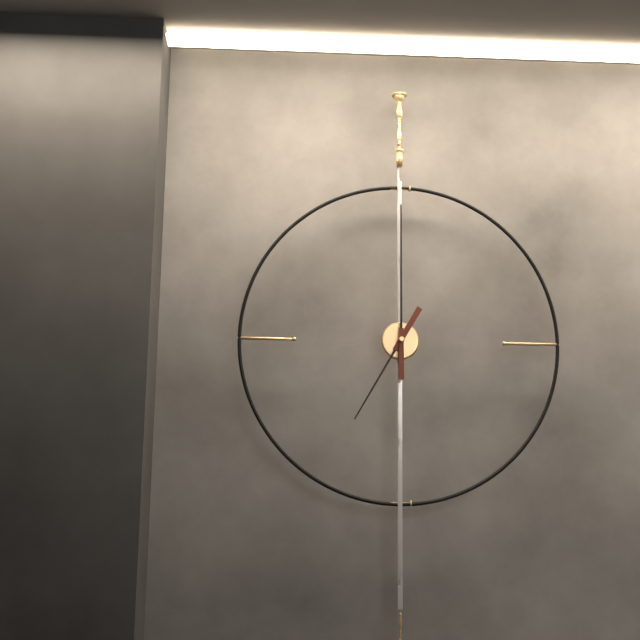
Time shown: **7:00**
